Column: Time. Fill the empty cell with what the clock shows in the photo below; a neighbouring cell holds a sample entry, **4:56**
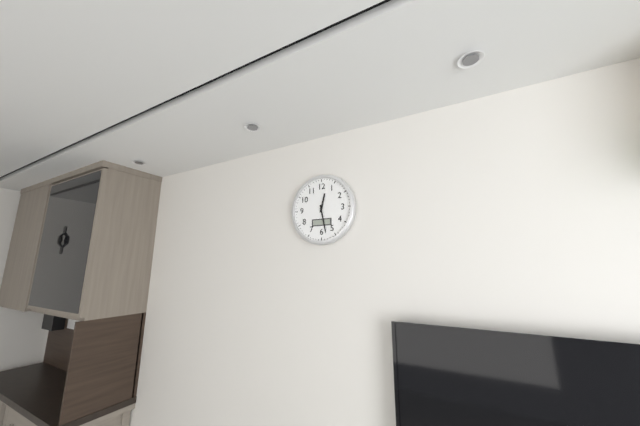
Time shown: **12:28**
